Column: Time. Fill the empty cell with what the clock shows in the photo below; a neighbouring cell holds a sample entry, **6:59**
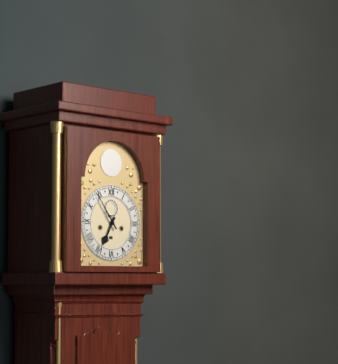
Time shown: **6:54**
